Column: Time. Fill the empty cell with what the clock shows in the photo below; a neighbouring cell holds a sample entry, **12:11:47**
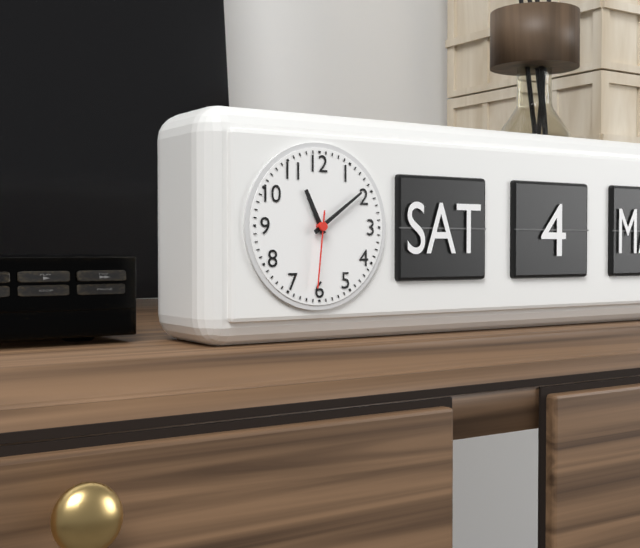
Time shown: **11:09:31**
